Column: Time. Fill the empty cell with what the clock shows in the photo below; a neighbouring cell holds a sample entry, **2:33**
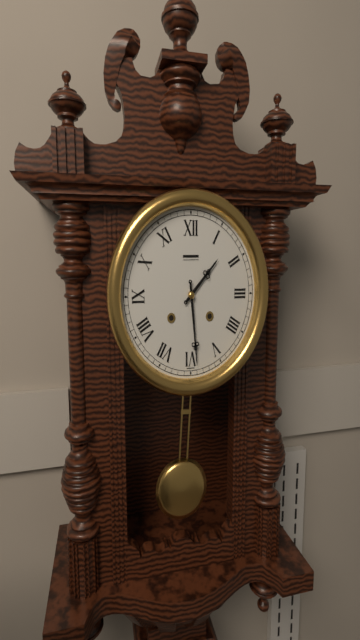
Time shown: **1:29**
